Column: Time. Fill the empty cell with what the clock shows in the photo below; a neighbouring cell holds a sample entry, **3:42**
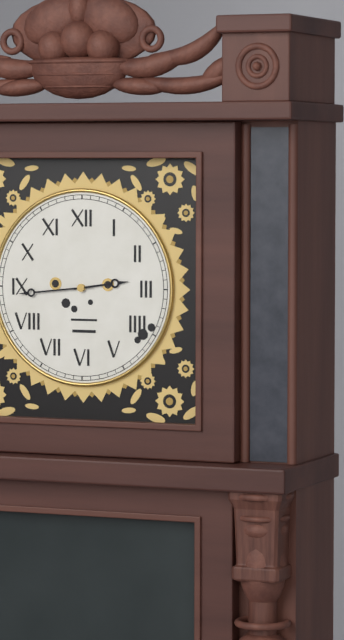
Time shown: **2:44**
